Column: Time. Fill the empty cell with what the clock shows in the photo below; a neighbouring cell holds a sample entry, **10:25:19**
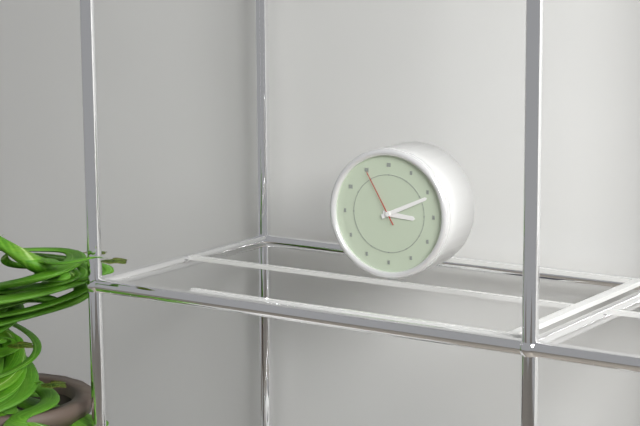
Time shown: **3:11:55**
